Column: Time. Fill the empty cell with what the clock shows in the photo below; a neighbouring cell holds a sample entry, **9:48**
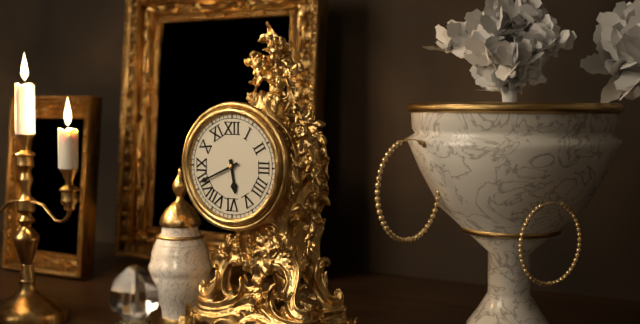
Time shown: **5:41**
